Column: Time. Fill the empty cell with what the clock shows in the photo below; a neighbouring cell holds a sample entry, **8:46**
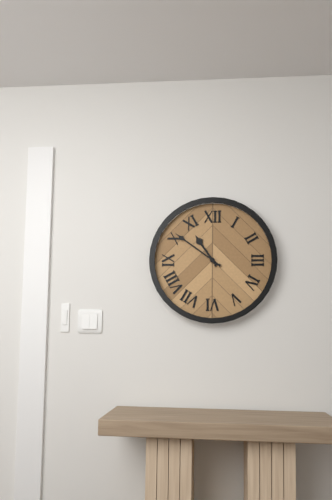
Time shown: **10:51**
